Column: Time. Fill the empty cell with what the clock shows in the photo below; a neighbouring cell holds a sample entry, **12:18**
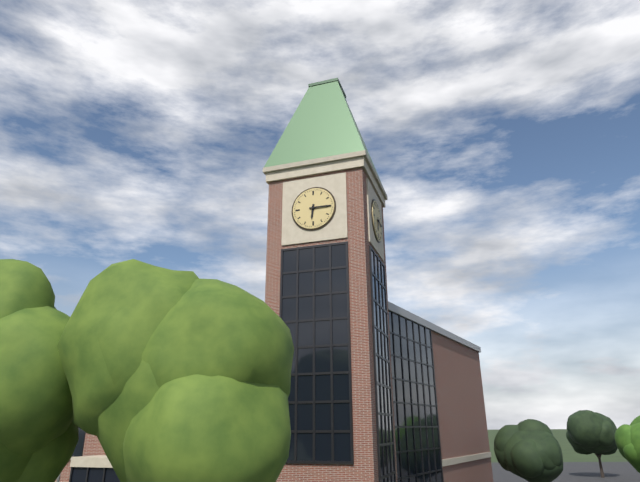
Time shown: **6:15**
